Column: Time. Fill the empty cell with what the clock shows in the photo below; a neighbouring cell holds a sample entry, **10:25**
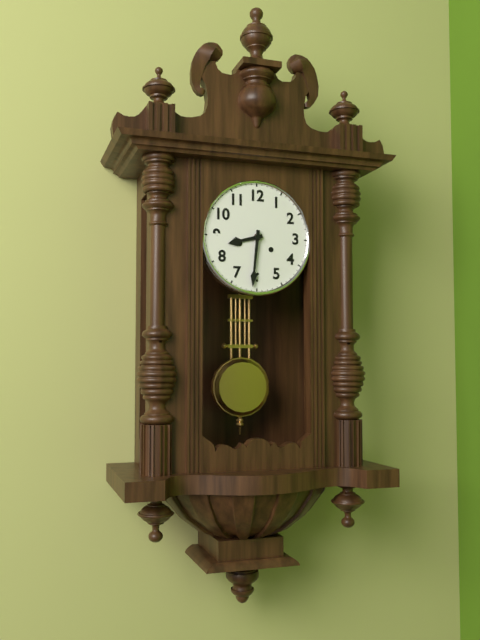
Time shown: **8:31**
